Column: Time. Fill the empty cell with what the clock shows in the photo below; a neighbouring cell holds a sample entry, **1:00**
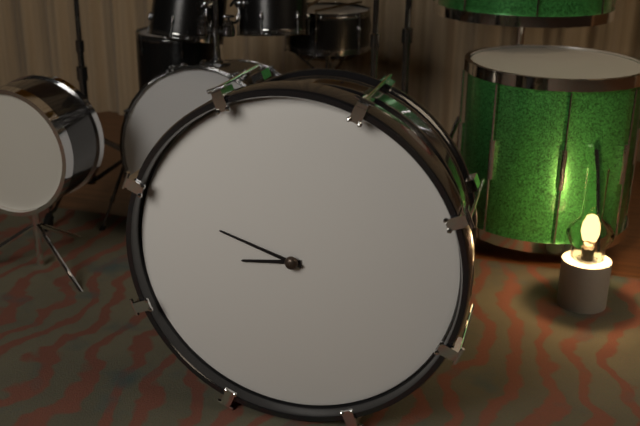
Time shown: **8:48**
